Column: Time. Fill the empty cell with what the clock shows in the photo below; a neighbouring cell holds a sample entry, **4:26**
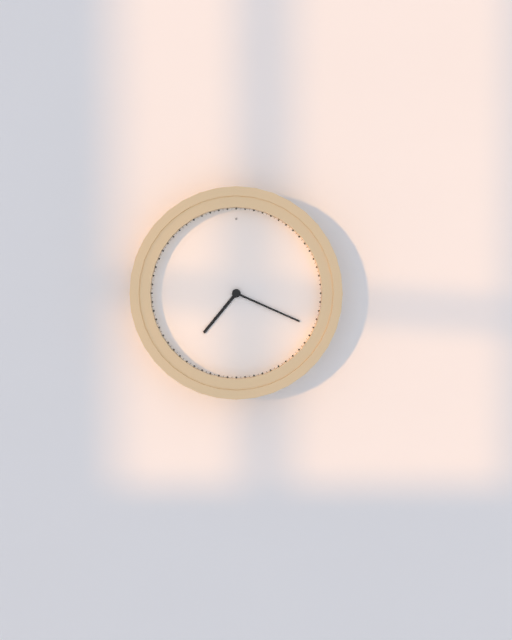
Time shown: **7:19**
